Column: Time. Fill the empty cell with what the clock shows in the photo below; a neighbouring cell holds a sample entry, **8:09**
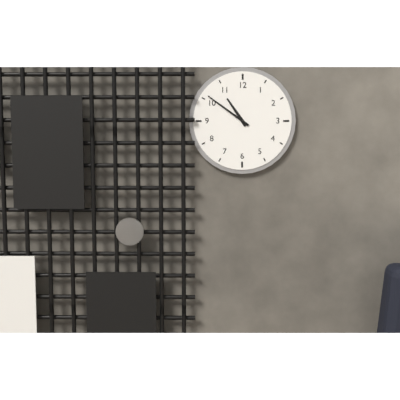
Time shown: **10:51**
